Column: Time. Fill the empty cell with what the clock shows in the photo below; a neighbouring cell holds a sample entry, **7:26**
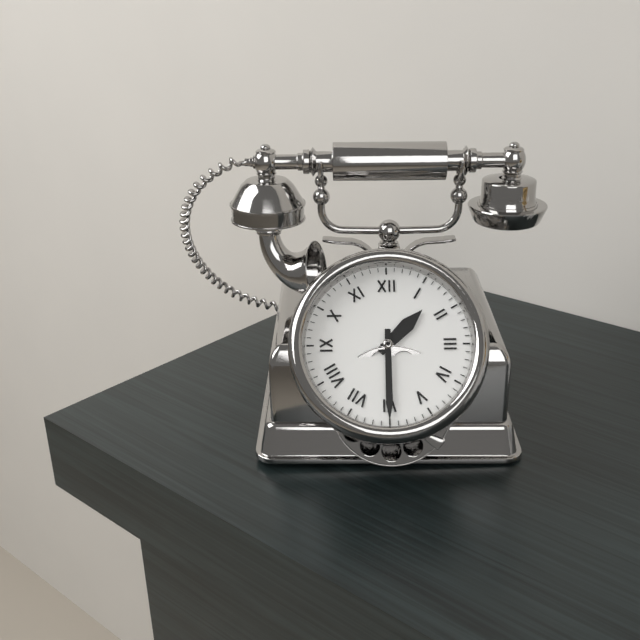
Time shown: **1:30**
